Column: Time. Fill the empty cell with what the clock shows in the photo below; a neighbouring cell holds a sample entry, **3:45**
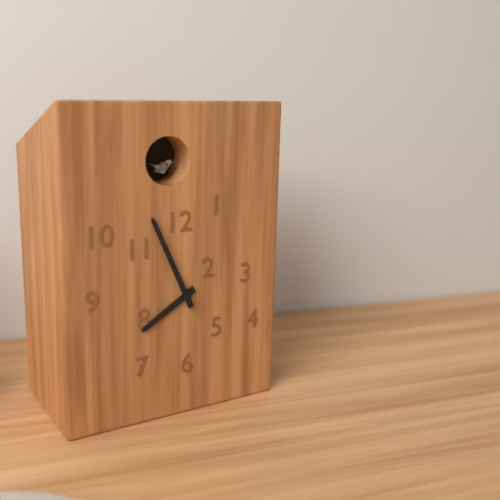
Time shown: **7:56**
